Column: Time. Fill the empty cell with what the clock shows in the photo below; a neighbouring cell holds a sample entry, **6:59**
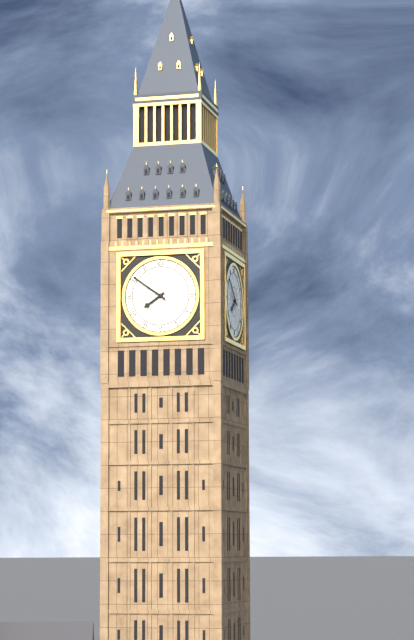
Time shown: **7:51**
